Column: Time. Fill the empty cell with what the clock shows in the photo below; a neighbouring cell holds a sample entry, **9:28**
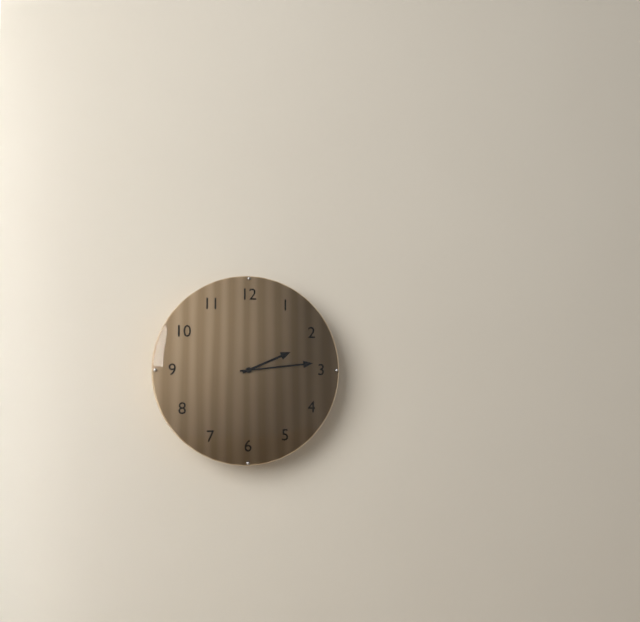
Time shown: **2:14**
